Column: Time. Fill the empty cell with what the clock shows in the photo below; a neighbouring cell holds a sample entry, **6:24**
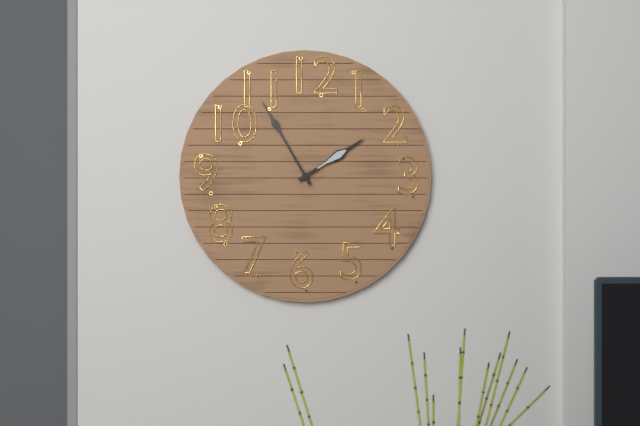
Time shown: **1:55**
